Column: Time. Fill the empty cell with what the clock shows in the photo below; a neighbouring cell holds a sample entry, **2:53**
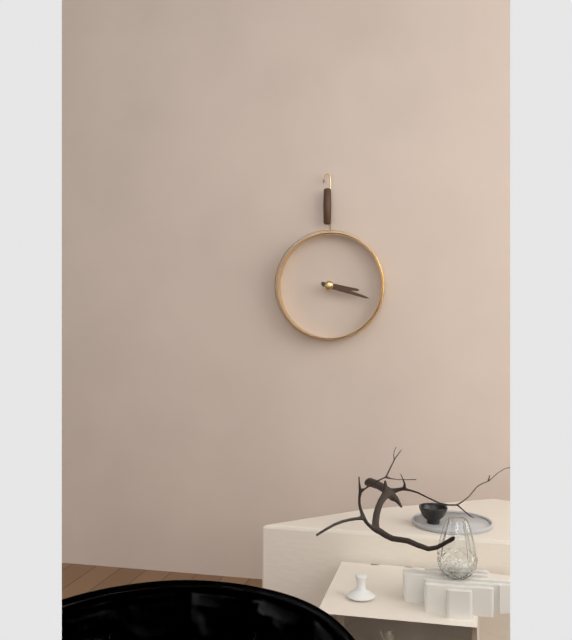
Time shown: **3:18**
